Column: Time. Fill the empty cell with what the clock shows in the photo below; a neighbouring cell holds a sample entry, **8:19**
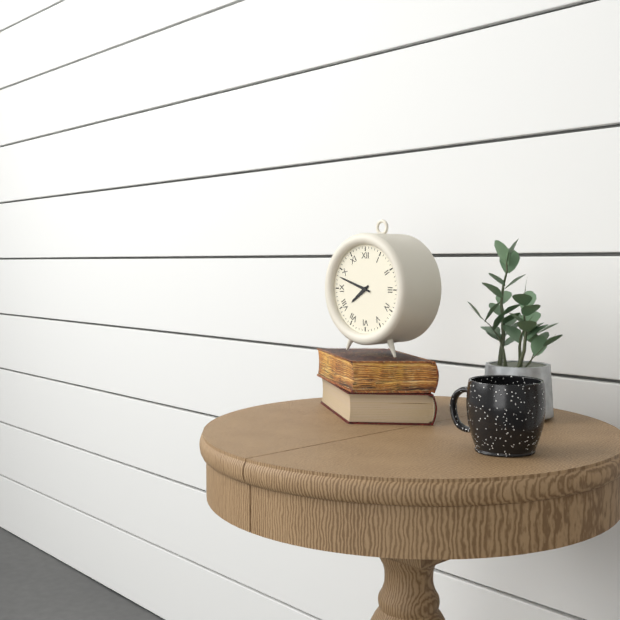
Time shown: **7:48**
